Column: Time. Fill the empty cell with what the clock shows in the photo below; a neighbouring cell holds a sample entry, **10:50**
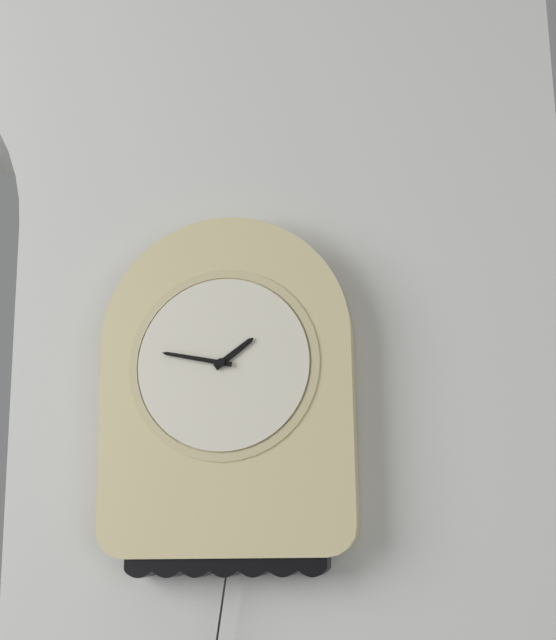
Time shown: **1:47**
